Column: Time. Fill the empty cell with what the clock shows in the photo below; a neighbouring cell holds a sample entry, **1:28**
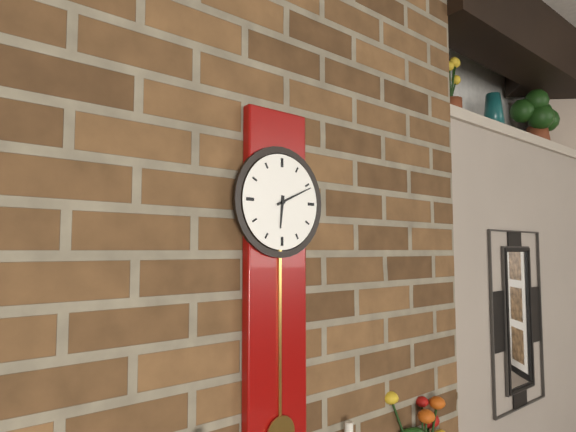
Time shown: **6:11**
